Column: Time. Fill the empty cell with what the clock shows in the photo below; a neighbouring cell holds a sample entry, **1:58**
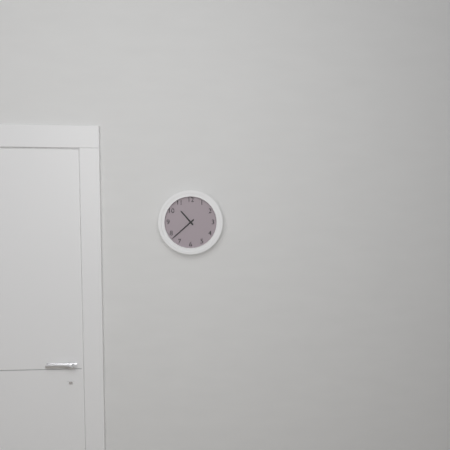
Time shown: **10:38**
